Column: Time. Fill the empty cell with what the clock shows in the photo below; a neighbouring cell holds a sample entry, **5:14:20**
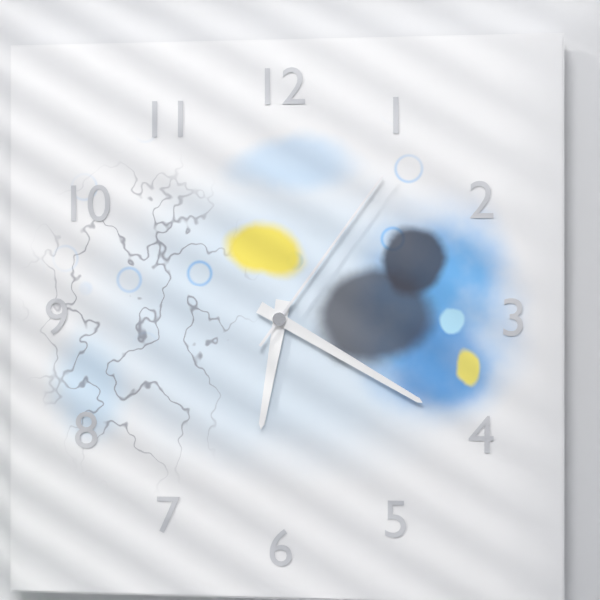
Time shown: **6:20:06**
